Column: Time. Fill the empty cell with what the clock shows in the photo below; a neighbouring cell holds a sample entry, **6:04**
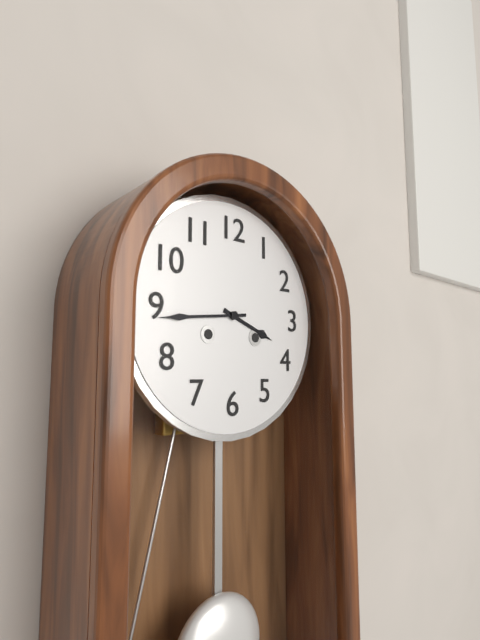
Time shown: **3:44**
